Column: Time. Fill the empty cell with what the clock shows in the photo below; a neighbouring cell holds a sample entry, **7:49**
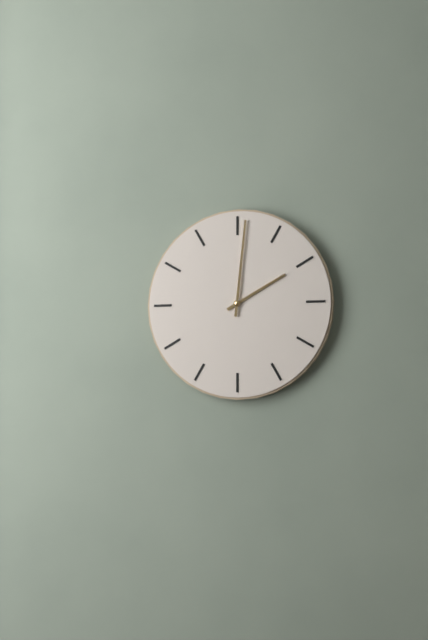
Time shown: **2:01**
